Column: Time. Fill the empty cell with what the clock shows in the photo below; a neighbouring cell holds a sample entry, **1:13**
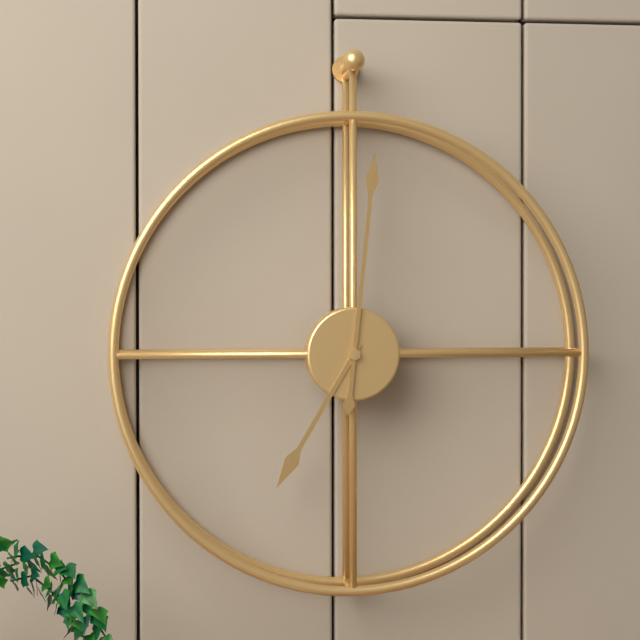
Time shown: **7:01**
